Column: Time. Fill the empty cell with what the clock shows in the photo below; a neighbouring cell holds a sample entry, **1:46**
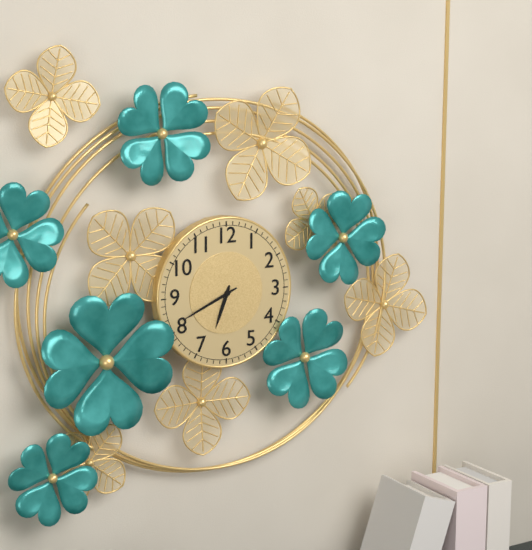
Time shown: **6:41**
